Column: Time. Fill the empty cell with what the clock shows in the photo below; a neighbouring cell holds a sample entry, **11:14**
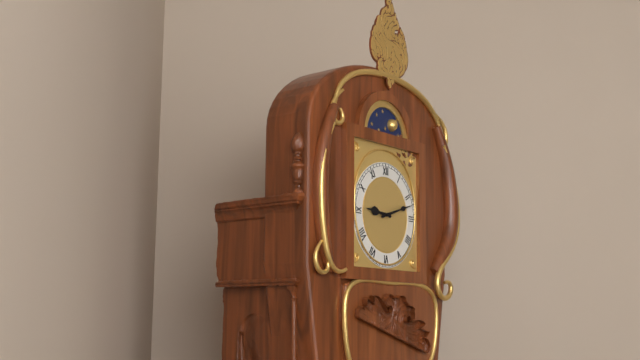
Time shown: **9:12**
